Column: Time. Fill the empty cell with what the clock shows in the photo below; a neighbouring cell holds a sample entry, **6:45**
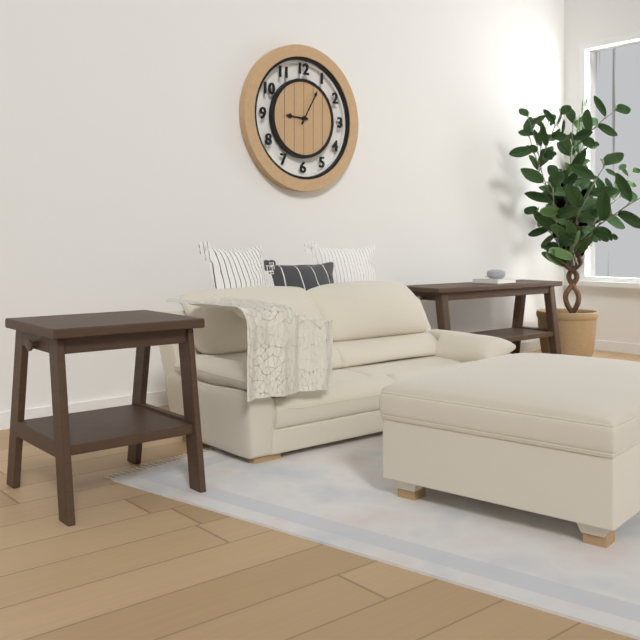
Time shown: **9:05**
